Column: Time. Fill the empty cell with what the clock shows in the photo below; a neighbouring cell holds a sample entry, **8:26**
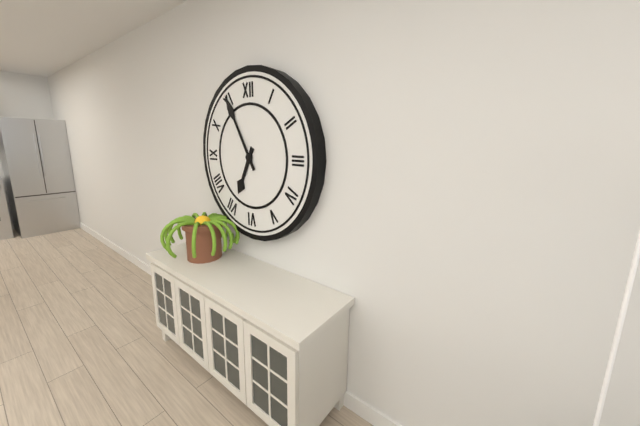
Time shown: **6:55**
